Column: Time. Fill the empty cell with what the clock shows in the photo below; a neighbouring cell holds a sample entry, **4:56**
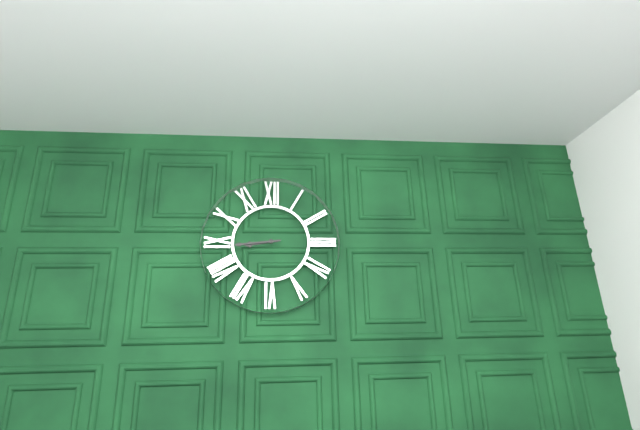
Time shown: **8:44**
